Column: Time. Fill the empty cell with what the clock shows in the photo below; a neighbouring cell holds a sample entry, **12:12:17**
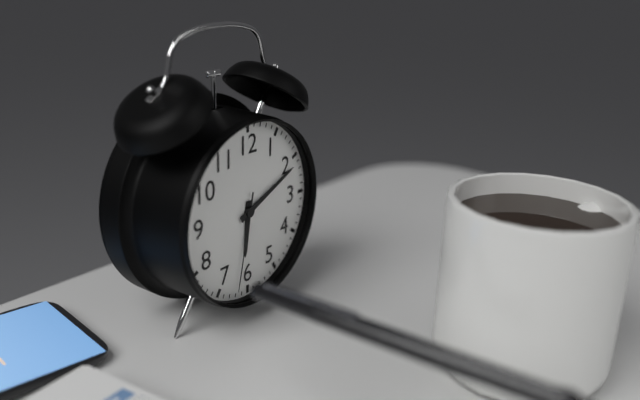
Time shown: **6:11:32**
